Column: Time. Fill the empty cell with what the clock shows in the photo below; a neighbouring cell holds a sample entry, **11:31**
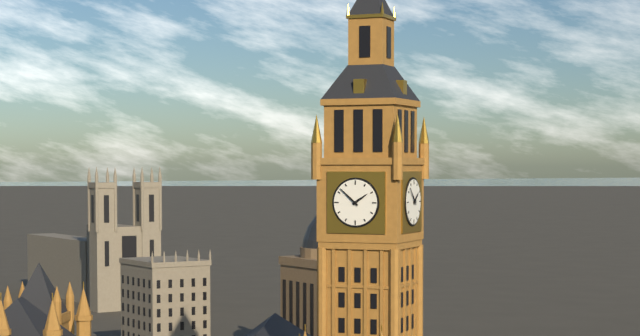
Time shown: **1:52**
